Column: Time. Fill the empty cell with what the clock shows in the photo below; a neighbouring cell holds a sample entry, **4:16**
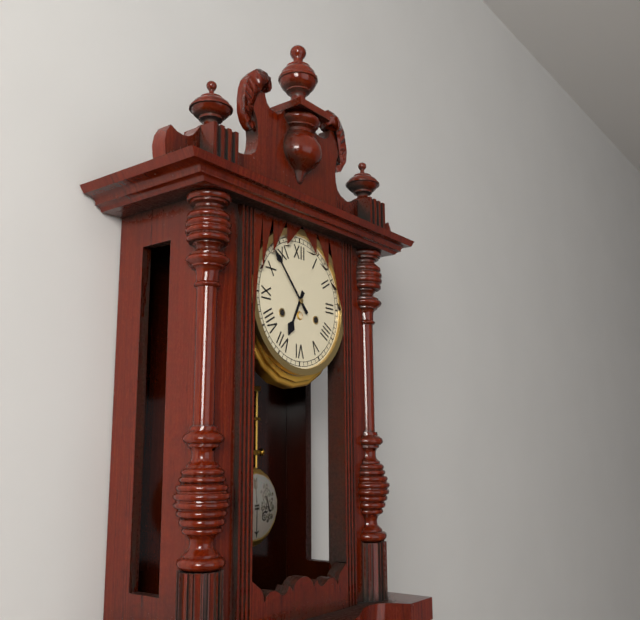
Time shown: **6:53**
